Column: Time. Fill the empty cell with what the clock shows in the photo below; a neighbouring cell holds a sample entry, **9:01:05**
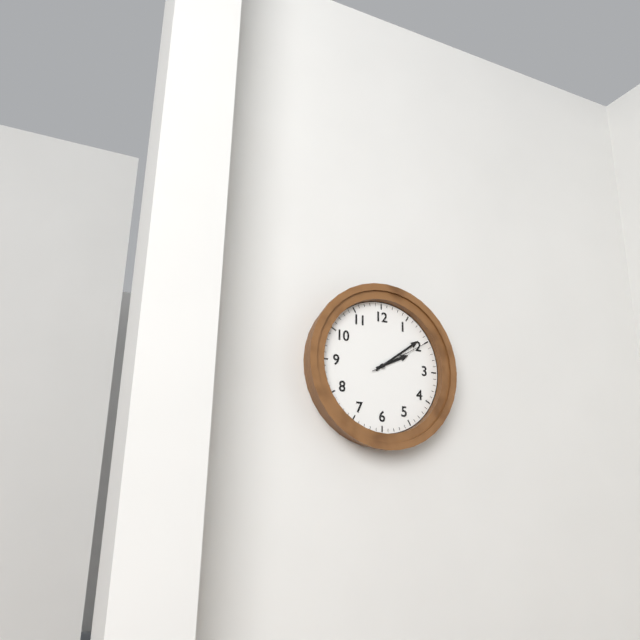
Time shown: **2:09:10**
